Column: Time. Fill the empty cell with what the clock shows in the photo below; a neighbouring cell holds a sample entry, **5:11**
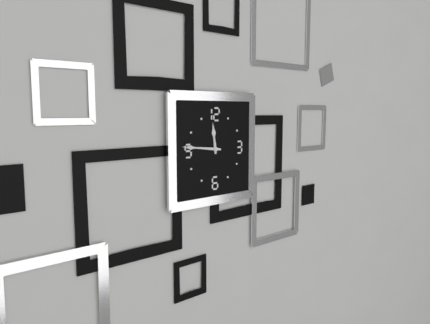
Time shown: **11:46**
